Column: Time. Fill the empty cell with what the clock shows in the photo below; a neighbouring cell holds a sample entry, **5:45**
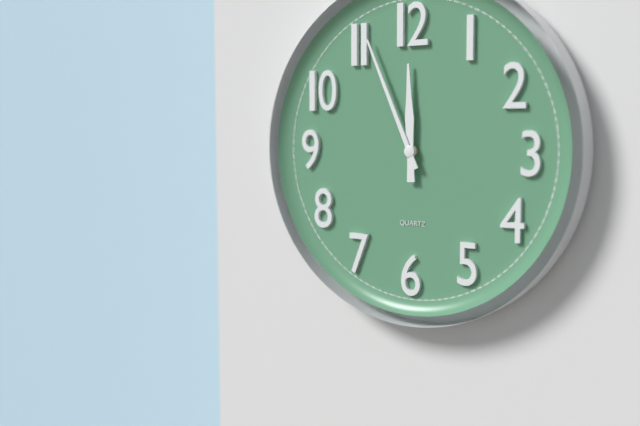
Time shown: **11:56**
